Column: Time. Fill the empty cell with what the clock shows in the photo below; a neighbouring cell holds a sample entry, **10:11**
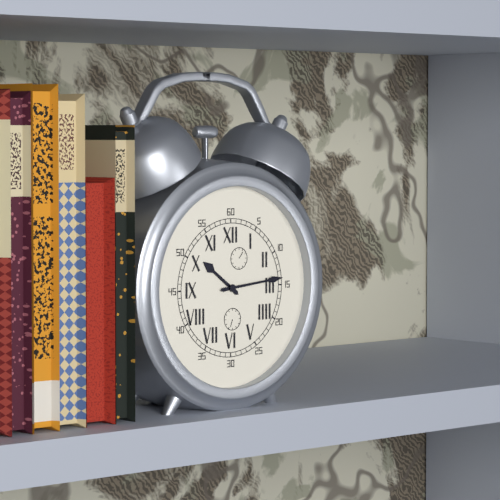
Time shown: **10:14**
